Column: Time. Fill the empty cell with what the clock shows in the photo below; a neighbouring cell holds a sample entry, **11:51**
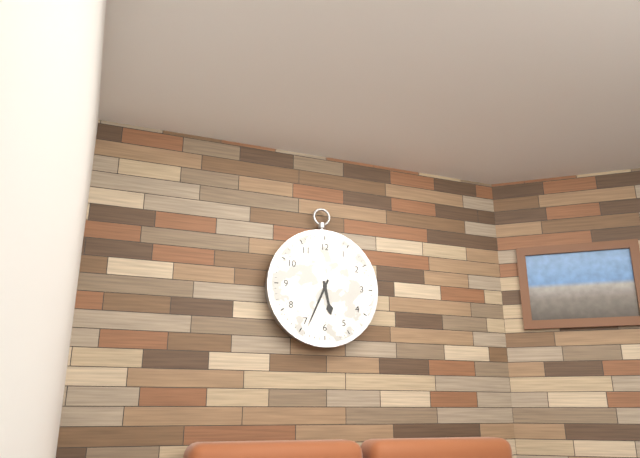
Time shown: **5:34**
